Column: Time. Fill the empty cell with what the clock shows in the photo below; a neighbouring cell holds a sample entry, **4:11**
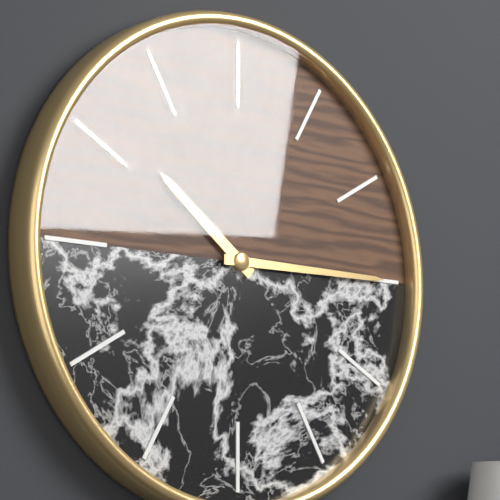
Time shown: **10:15**
